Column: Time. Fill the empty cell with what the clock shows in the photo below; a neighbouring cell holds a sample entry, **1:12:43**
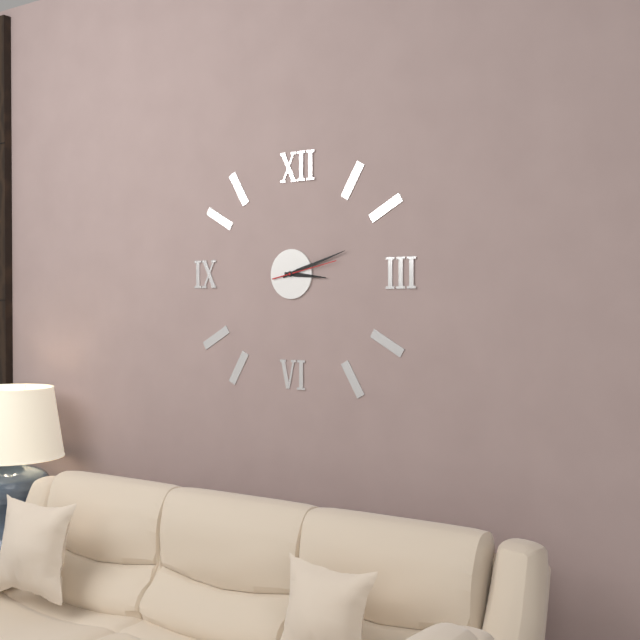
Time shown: **3:12:13**
